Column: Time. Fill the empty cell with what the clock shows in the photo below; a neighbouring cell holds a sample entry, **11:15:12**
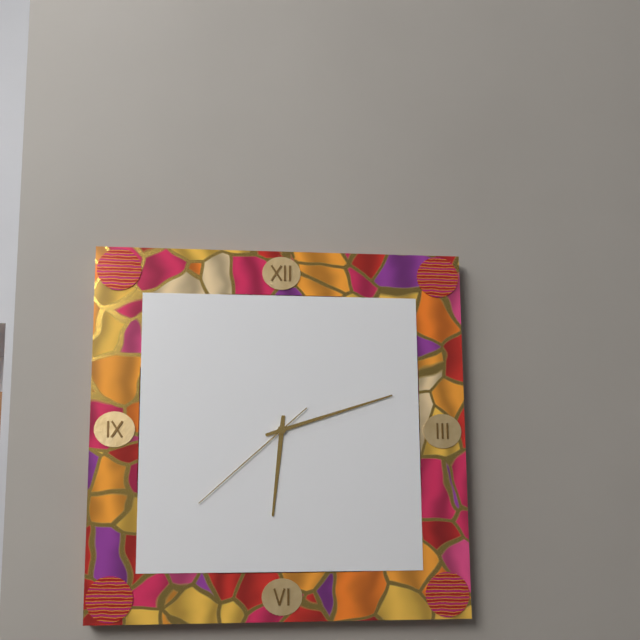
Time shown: **6:12:38**
